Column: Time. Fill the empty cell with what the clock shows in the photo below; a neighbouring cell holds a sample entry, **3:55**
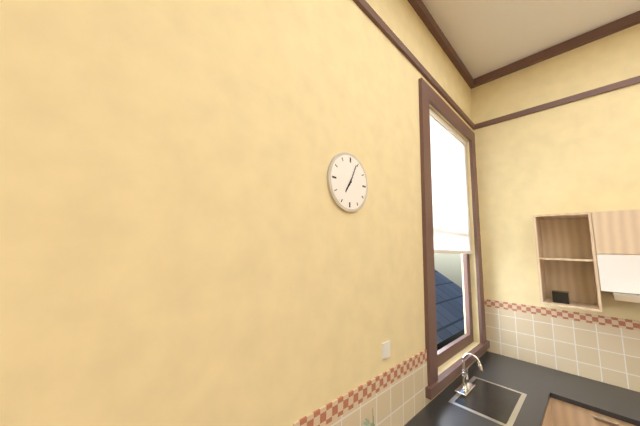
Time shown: **7:04**
